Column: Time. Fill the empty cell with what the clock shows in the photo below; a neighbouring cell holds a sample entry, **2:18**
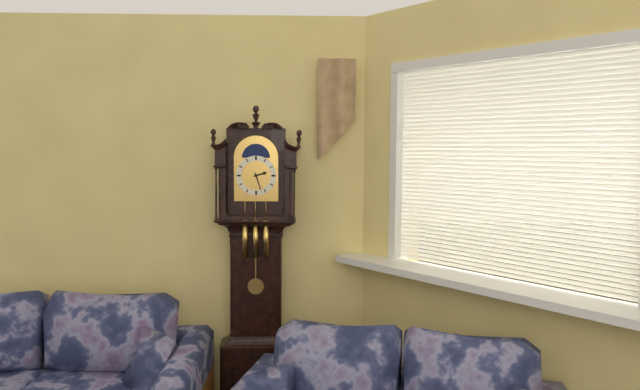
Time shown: **2:27**
